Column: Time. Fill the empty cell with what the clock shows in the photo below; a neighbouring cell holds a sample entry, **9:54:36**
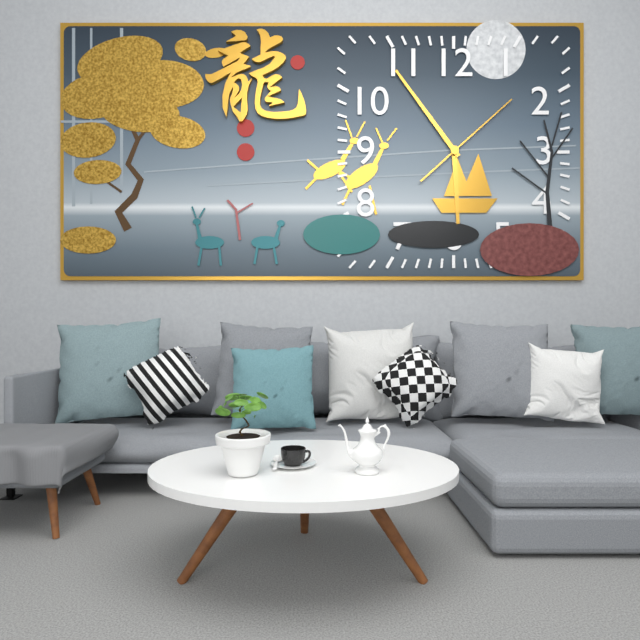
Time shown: **5:54:08**
